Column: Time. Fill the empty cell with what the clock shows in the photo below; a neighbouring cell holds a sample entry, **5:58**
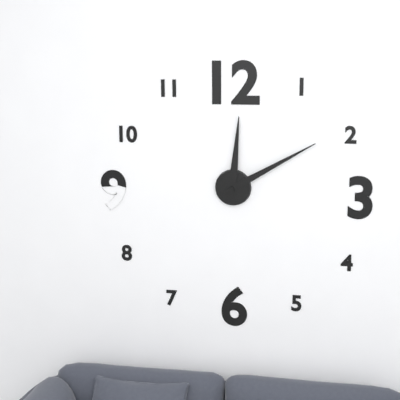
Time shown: **12:10**
